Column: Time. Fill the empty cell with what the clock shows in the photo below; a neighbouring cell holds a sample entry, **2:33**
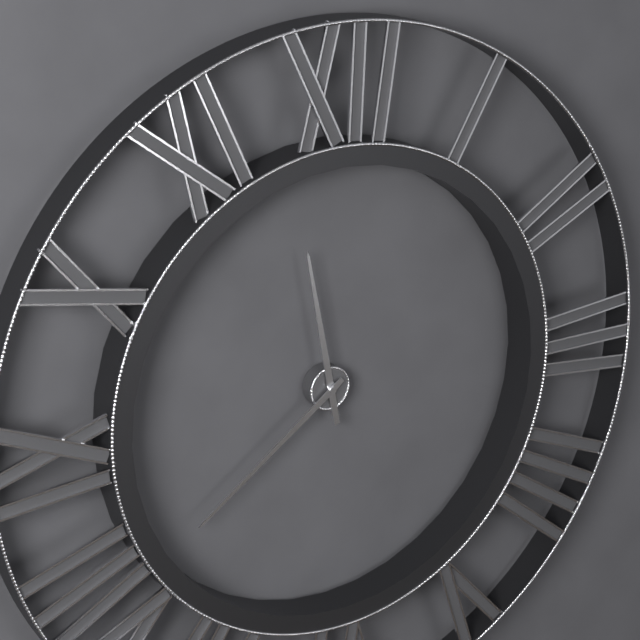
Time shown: **11:39**
